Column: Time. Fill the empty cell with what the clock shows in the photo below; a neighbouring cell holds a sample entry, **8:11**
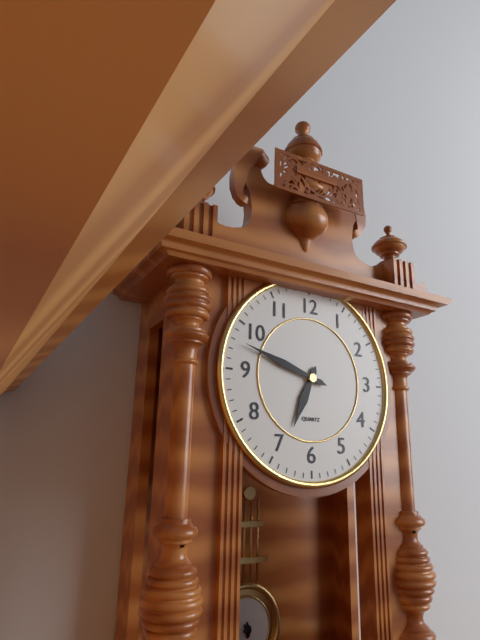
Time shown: **6:48**
